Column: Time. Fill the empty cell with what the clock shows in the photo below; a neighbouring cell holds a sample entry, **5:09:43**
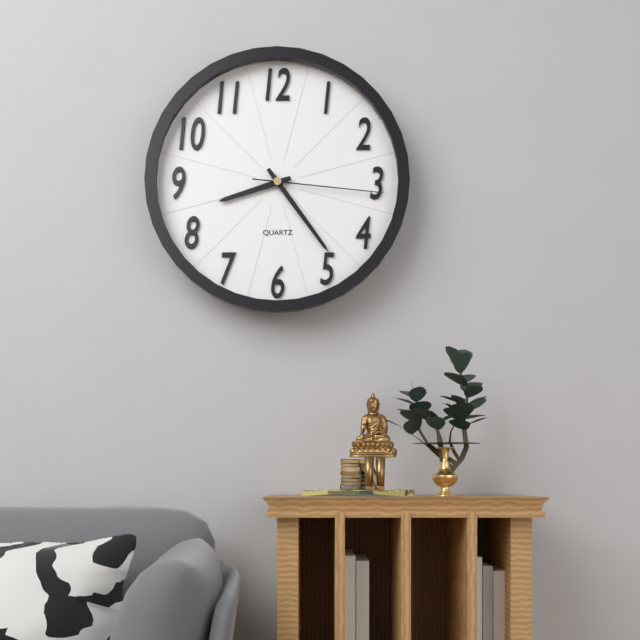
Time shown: **8:24:16**
